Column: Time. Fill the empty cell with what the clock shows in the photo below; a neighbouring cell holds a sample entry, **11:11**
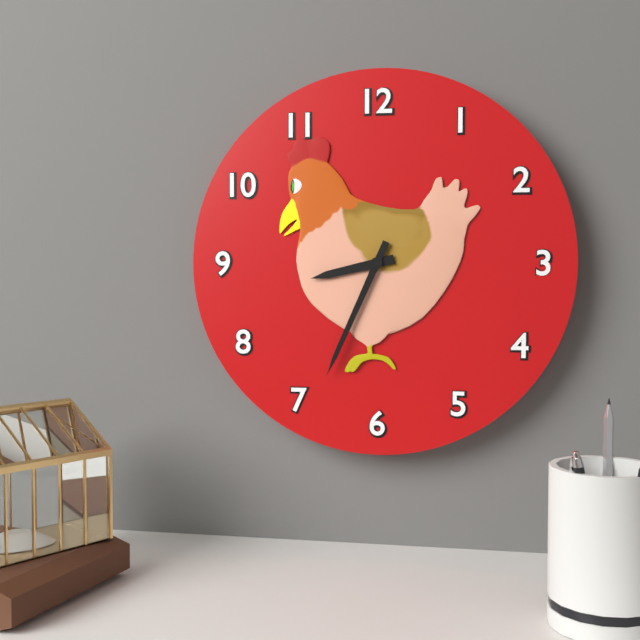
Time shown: **8:34**
